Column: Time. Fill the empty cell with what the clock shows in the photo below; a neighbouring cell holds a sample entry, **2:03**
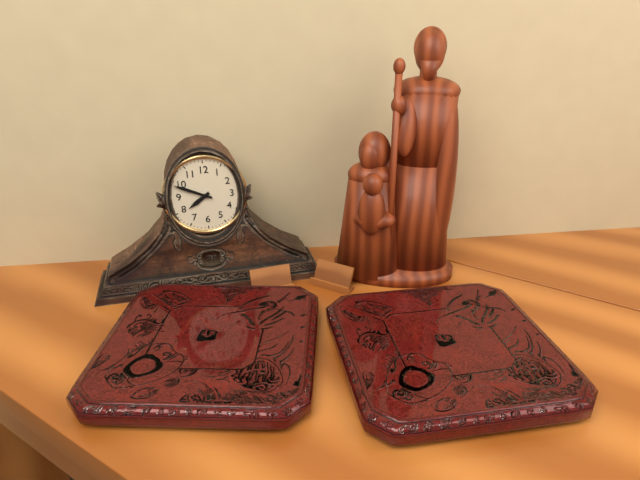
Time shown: **7:49**
